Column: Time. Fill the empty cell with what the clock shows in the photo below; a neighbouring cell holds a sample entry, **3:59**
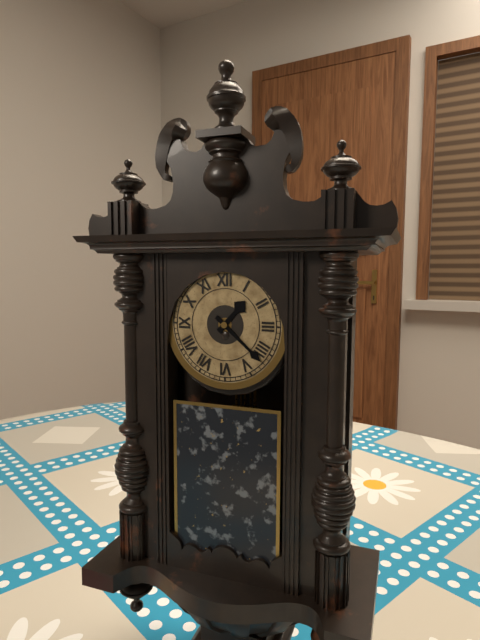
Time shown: **1:22**
